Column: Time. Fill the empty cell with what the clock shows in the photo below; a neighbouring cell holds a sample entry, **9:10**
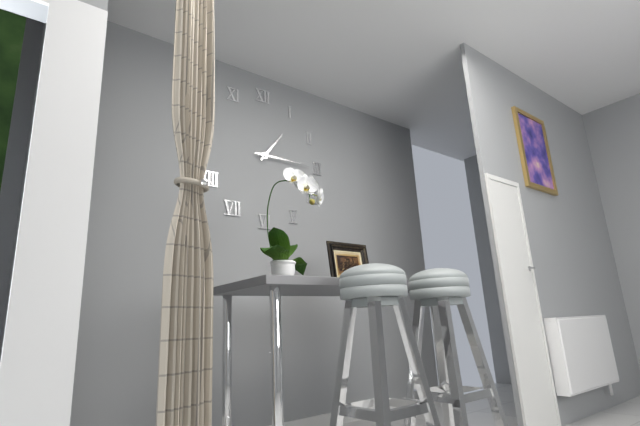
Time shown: **1:15**
